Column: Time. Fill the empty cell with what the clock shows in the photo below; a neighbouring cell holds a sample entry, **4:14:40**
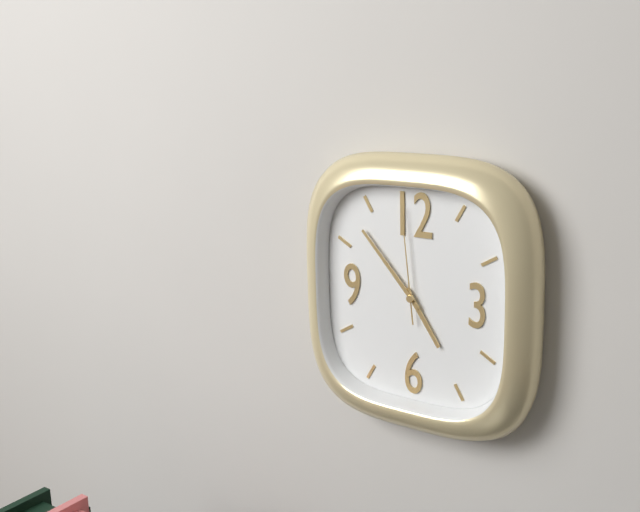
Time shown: **4:53:59**
